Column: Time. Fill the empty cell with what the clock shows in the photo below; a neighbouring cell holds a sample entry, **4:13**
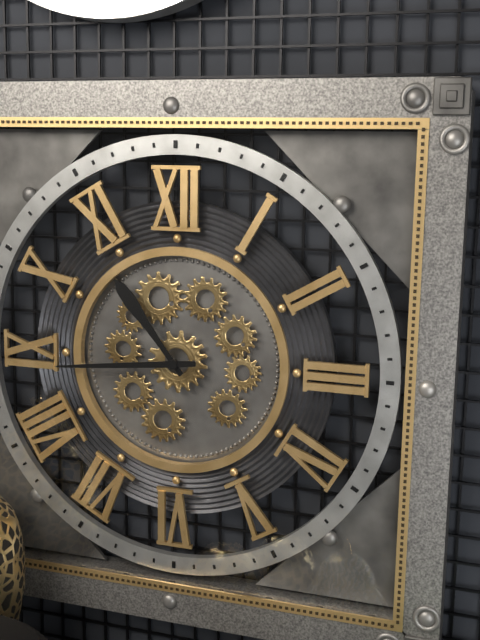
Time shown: **10:44**
